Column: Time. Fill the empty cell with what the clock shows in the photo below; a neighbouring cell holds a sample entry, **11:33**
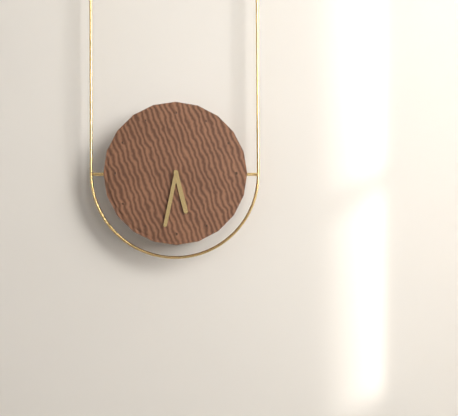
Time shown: **5:32**
